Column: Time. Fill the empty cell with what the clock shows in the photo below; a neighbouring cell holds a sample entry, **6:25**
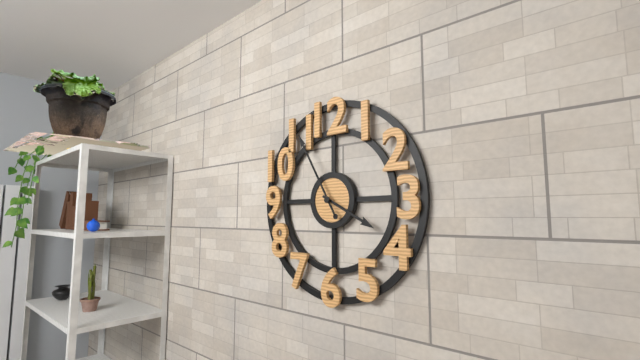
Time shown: **3:55**
